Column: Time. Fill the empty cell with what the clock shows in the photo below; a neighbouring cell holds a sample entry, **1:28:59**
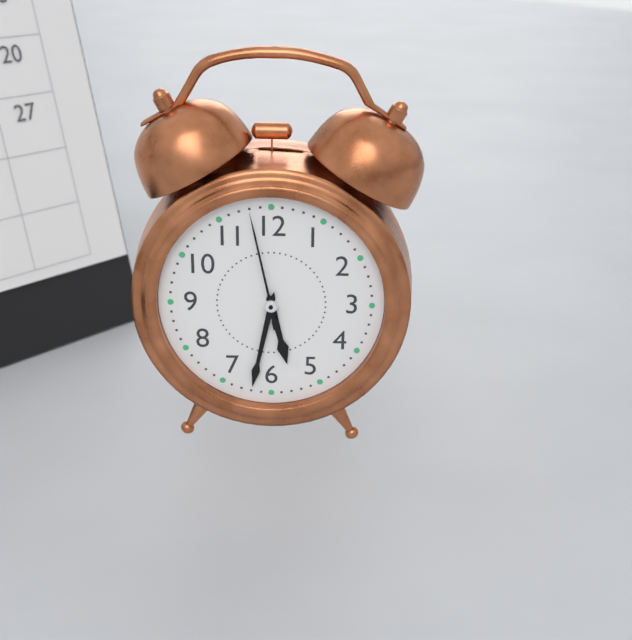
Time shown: **5:32:58**
